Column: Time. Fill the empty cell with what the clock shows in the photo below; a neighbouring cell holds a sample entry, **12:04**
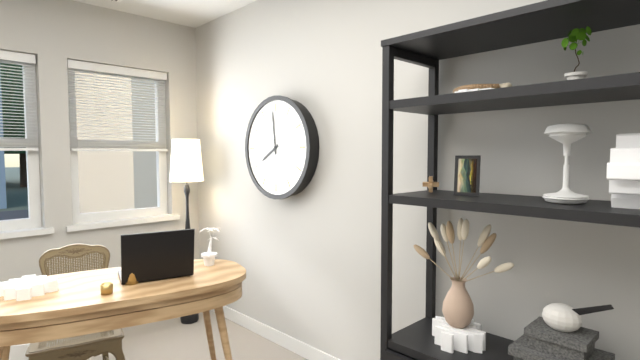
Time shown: **7:59**
